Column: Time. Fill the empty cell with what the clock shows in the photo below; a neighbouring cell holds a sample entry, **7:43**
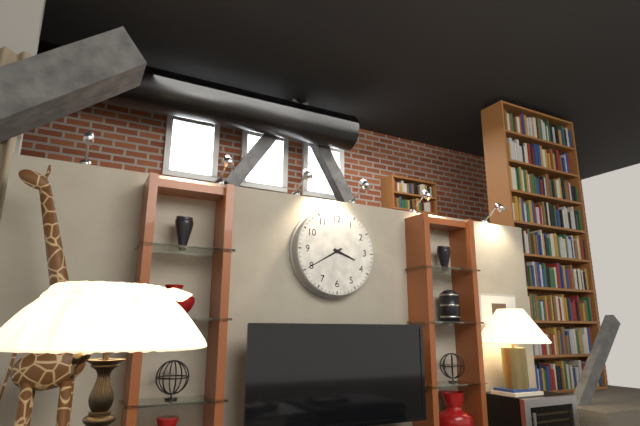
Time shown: **3:40**
